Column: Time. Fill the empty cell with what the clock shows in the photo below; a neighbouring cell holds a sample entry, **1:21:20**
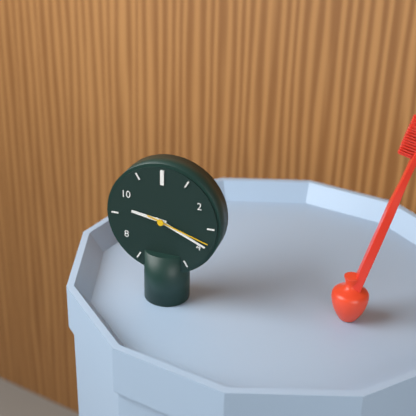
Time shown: **9:19:18**
